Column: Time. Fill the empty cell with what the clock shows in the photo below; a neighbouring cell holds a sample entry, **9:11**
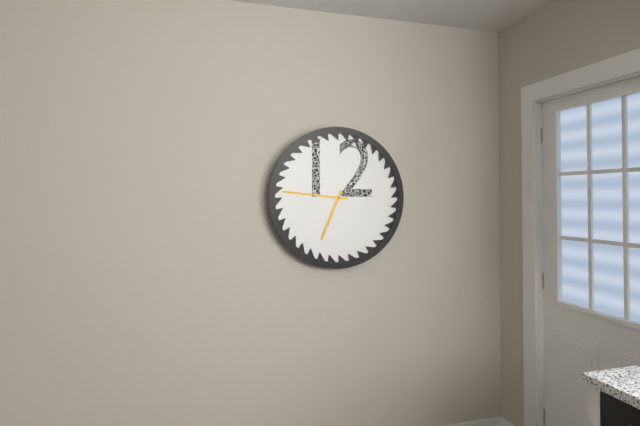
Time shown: **6:46**
